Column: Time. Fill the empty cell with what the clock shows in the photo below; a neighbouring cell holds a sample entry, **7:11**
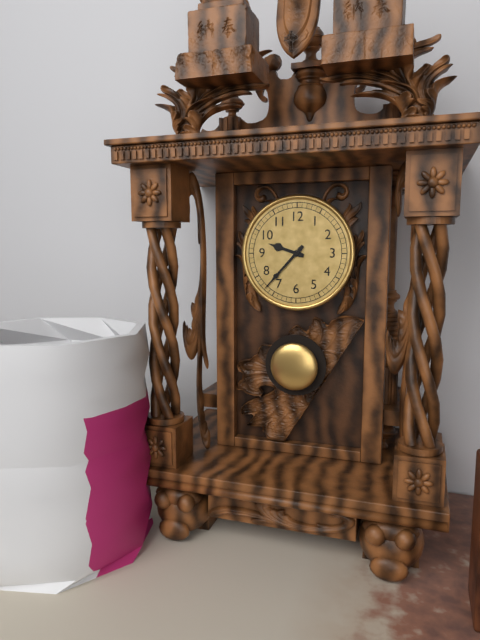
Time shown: **9:37**
